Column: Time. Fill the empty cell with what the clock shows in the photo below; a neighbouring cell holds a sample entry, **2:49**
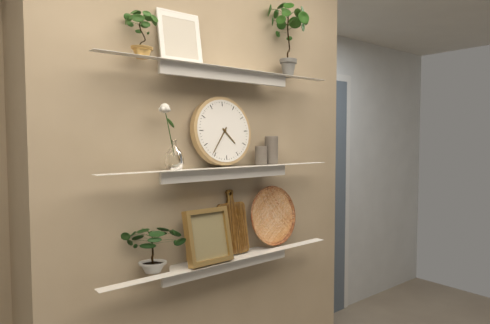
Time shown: **4:36**
